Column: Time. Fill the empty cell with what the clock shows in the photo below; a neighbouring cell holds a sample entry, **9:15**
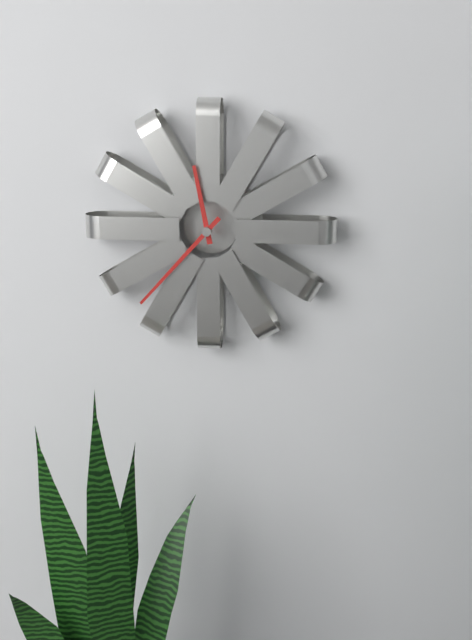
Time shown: **11:37**
